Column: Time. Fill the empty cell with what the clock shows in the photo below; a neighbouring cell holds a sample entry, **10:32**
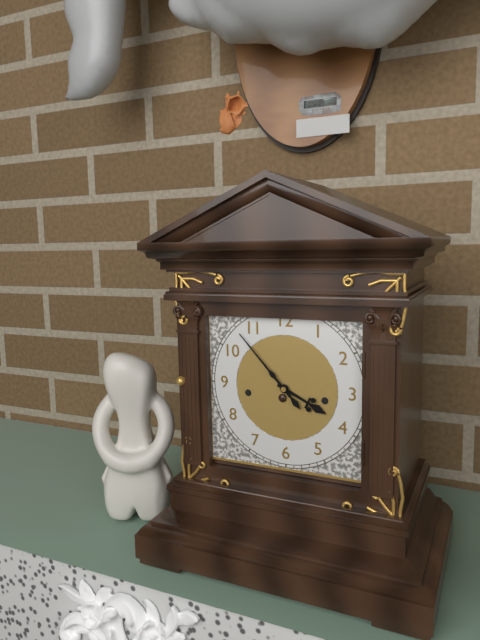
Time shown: **3:53**
